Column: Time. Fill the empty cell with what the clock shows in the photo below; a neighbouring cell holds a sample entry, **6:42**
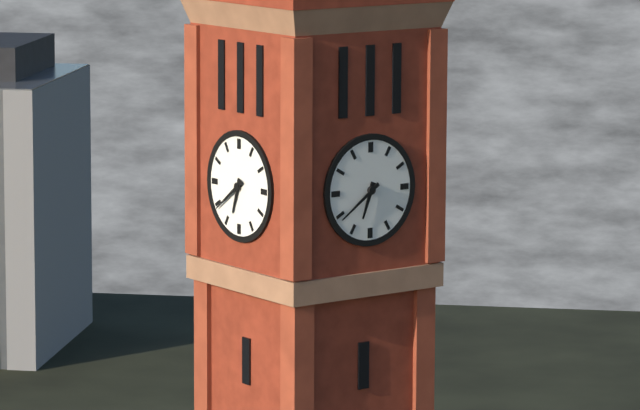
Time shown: **6:39**
